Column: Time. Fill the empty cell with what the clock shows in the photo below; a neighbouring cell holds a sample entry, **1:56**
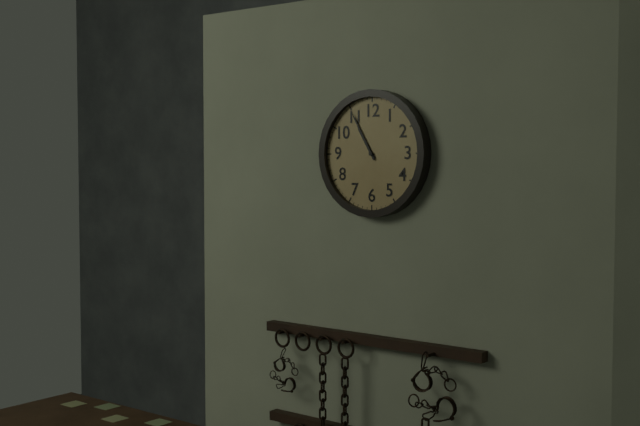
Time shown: **10:55**
